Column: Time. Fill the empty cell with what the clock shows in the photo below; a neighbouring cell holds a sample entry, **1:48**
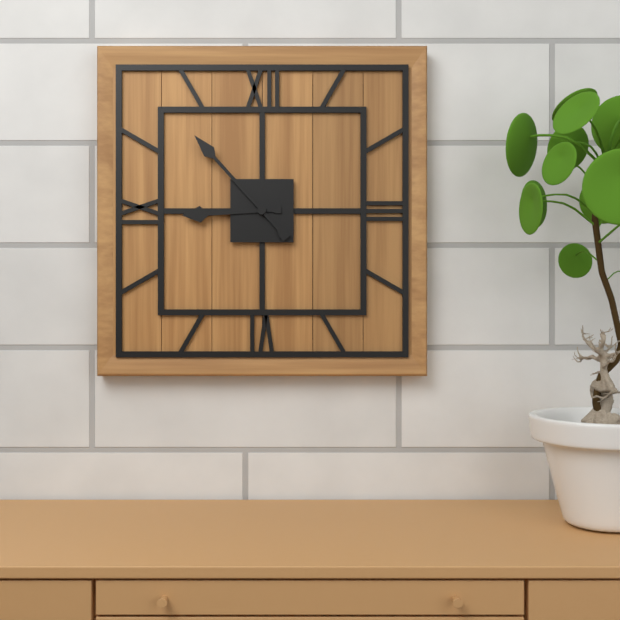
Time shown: **8:53**
